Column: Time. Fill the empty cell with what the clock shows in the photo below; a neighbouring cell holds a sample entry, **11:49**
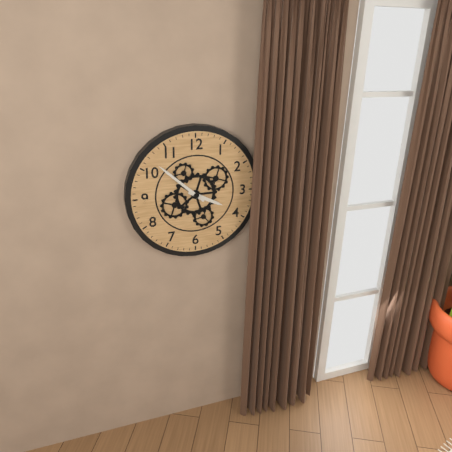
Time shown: **3:52**
